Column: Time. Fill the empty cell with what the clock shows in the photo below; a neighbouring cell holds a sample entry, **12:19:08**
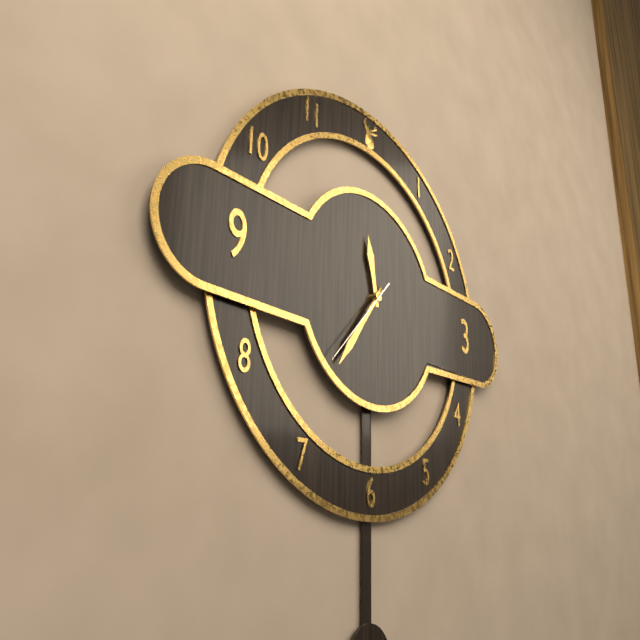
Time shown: **11:36:37**
